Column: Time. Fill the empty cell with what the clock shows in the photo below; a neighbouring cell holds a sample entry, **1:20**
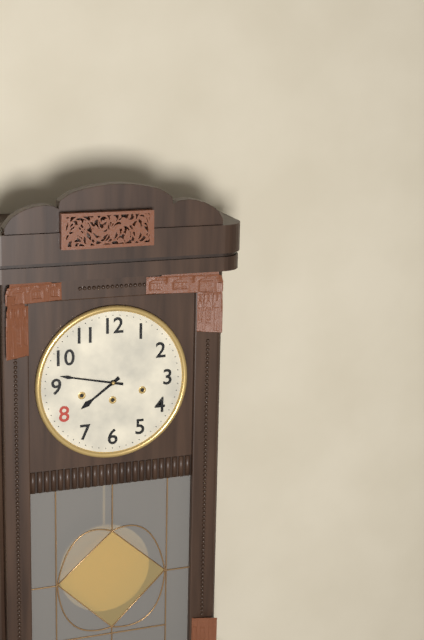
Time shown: **7:47**
